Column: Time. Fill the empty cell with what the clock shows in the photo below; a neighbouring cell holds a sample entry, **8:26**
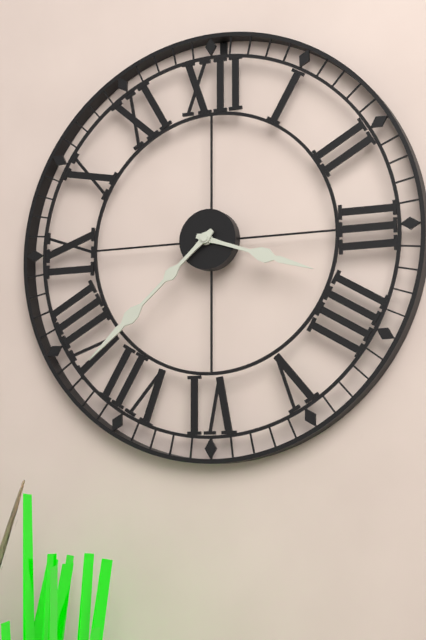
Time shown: **3:38**
